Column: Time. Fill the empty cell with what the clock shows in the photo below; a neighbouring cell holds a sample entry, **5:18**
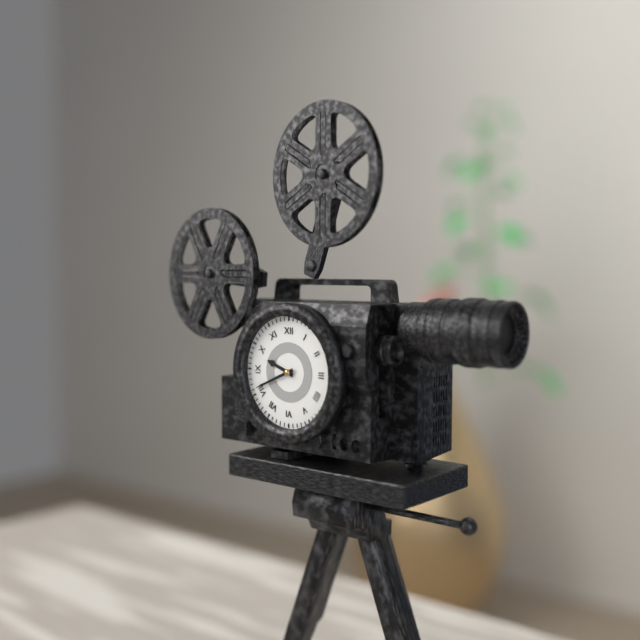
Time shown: **9:41**
